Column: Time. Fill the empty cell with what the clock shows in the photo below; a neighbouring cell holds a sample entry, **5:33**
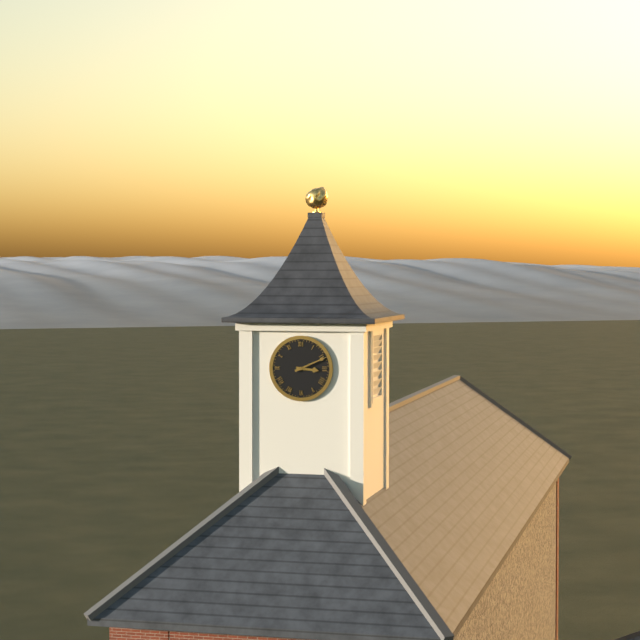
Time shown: **3:11**
